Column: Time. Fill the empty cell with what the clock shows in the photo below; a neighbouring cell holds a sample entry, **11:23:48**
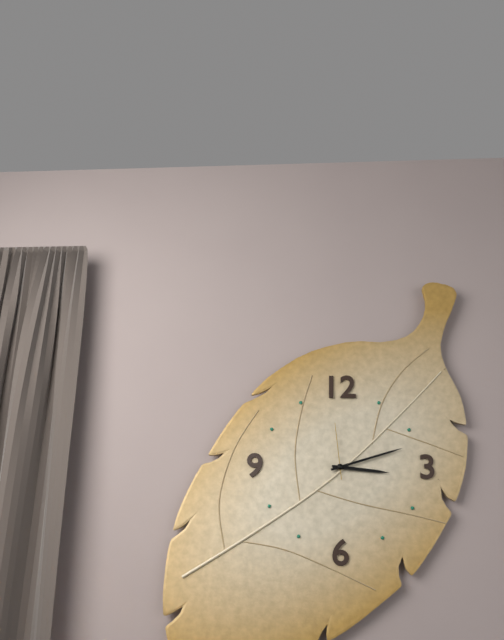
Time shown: **3:12:59**
